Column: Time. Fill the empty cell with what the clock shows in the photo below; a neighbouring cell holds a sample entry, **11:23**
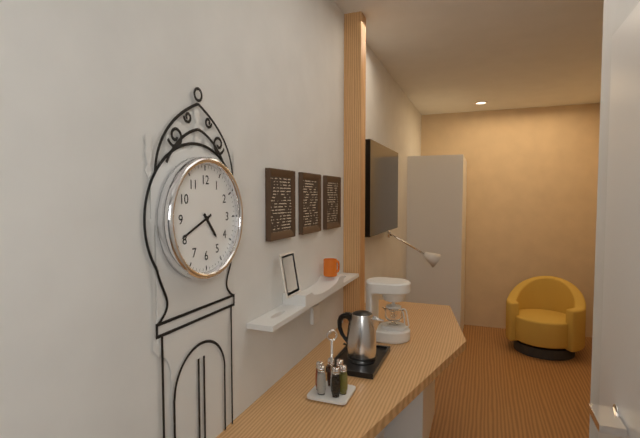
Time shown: **4:41**
